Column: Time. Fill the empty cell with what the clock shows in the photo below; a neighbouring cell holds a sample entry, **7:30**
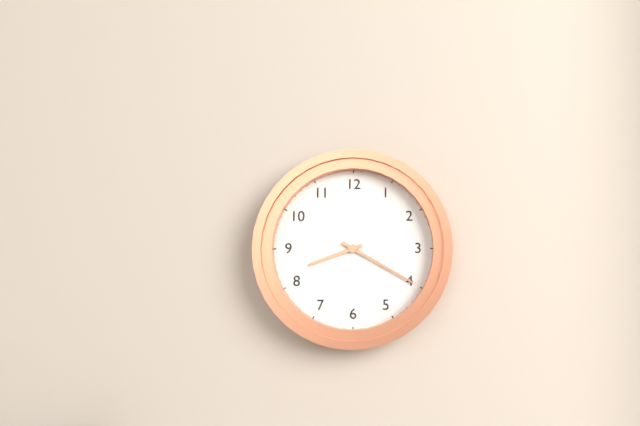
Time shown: **8:20**
